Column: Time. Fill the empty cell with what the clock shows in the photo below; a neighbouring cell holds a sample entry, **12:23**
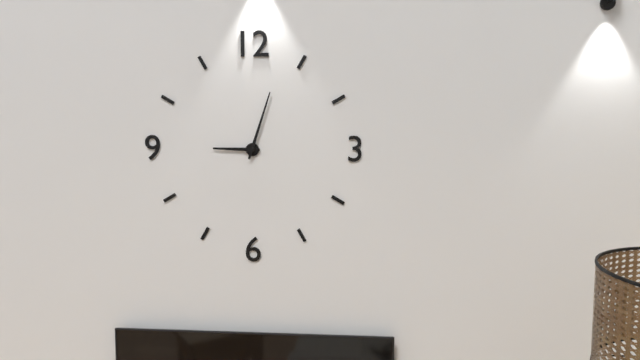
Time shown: **9:03**
